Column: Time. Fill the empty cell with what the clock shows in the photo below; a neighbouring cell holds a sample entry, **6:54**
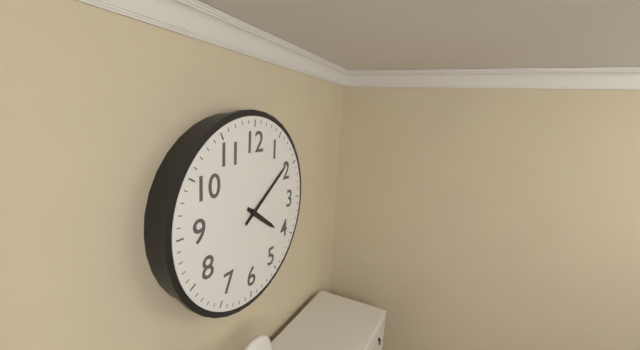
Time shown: **4:09**
